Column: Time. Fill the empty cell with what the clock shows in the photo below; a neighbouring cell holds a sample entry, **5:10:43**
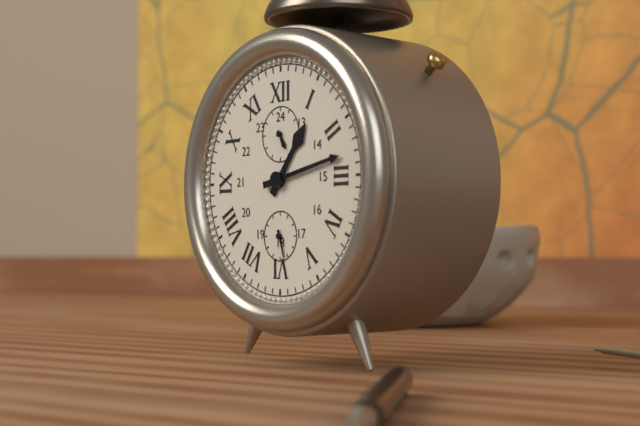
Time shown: **1:13:27**
